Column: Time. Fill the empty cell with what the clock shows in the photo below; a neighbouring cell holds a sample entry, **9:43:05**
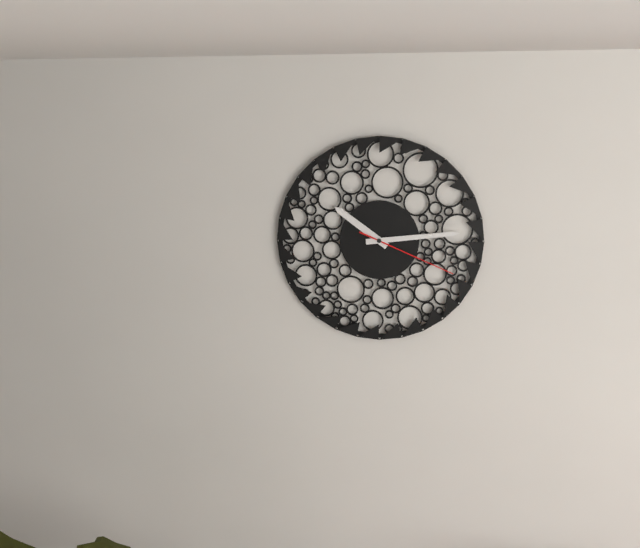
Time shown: **10:14:19**
